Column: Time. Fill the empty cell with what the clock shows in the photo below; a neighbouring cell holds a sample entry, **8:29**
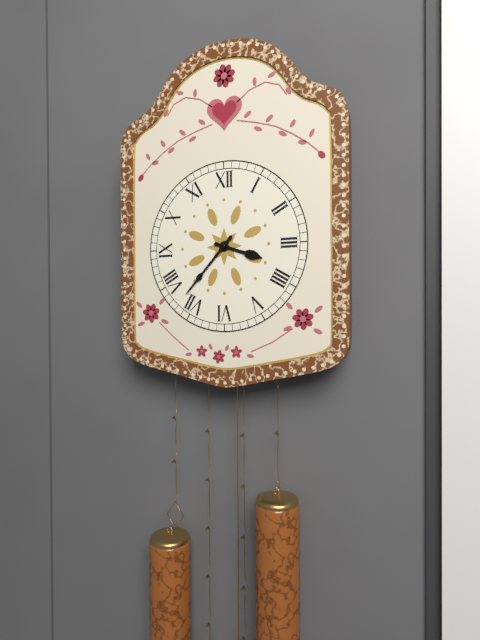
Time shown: **3:37**
